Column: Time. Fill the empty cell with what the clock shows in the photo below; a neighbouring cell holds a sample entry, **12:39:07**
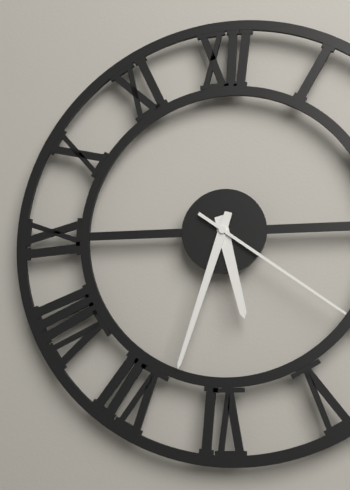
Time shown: **5:33:21**
